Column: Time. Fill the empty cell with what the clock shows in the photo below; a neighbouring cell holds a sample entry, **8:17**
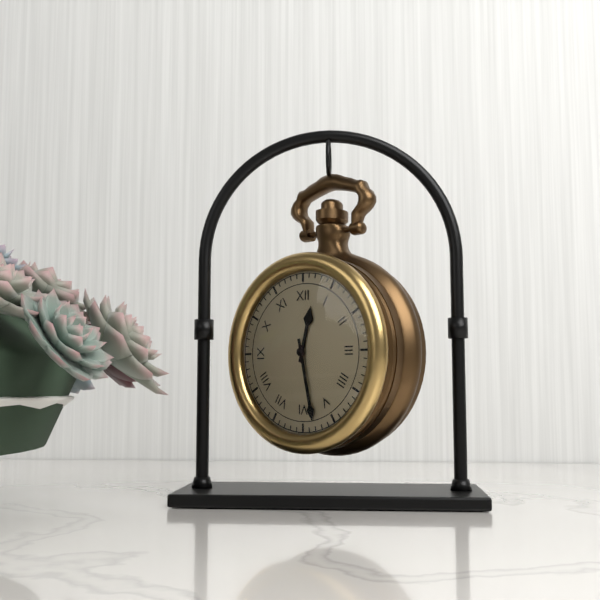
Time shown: **12:28**
